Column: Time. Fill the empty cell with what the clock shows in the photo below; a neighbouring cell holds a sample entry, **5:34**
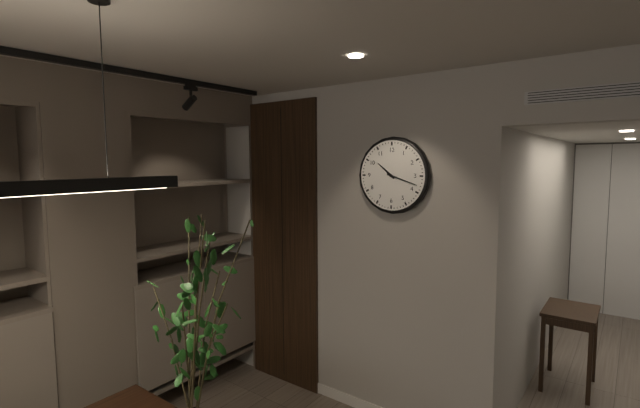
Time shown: **10:18**
